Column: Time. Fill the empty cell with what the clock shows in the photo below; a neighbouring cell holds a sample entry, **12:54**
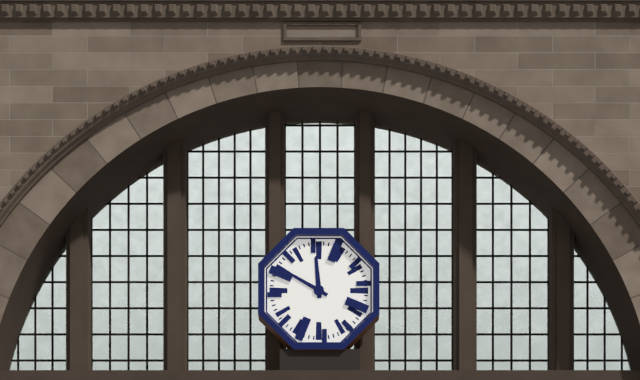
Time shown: **11:50**
